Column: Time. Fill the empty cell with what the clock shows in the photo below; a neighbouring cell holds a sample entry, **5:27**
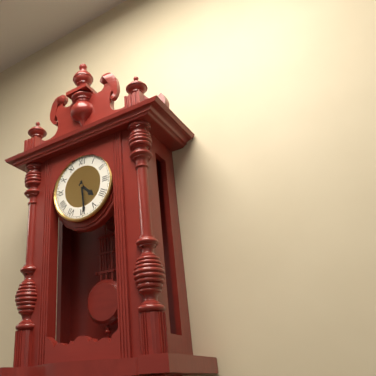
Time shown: **4:29**
